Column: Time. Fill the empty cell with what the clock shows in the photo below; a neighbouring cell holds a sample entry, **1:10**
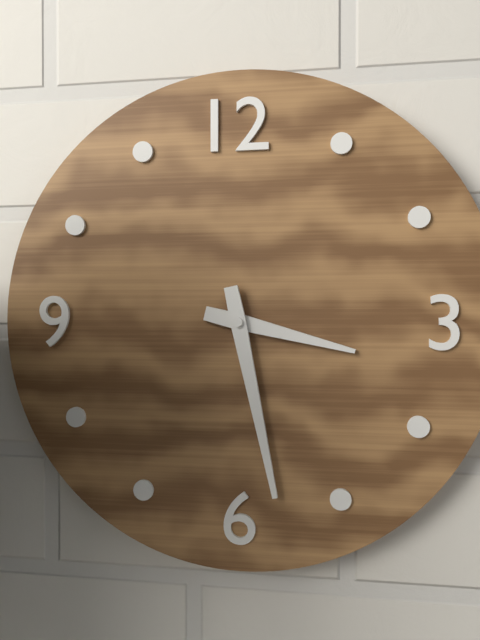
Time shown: **3:28**
